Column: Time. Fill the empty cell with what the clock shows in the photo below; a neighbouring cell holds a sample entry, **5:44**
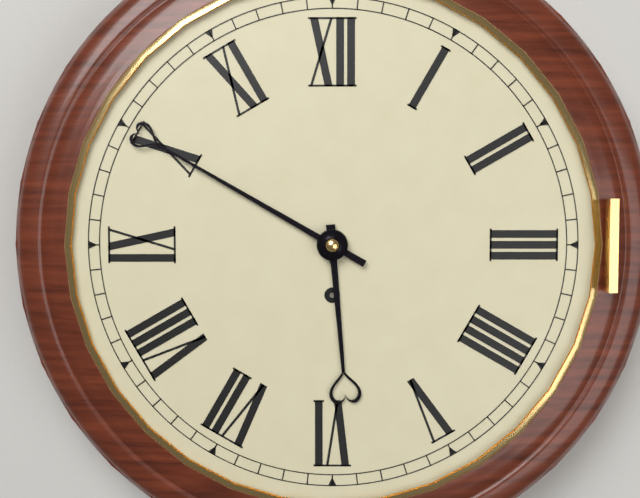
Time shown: **5:50**
